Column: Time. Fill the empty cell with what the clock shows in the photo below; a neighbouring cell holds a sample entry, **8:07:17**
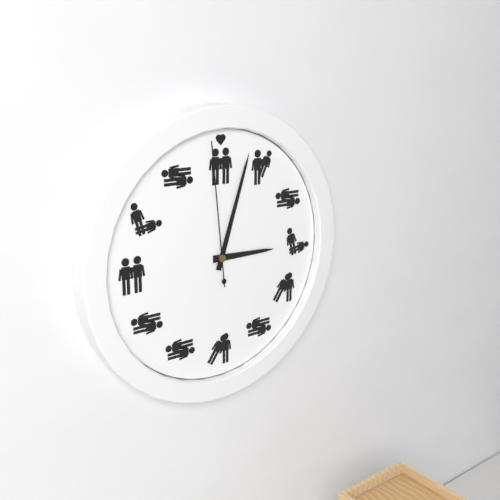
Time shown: **3:03:59**
